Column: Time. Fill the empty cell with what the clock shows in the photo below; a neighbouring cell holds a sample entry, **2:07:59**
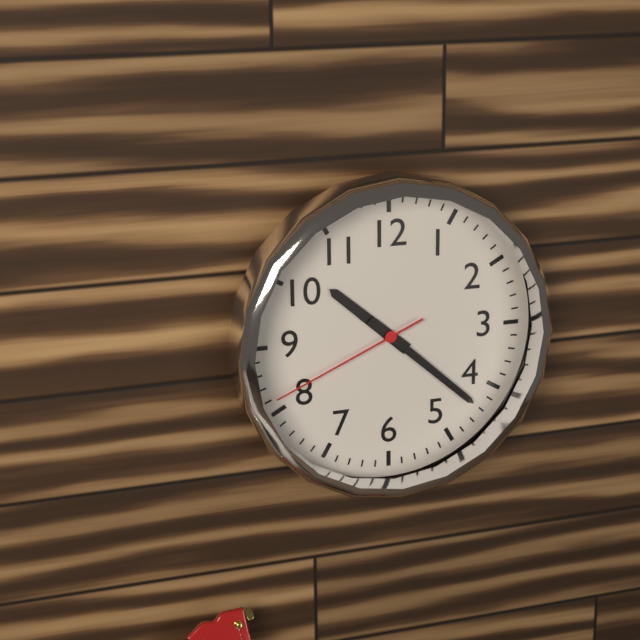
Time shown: **10:22:41**
